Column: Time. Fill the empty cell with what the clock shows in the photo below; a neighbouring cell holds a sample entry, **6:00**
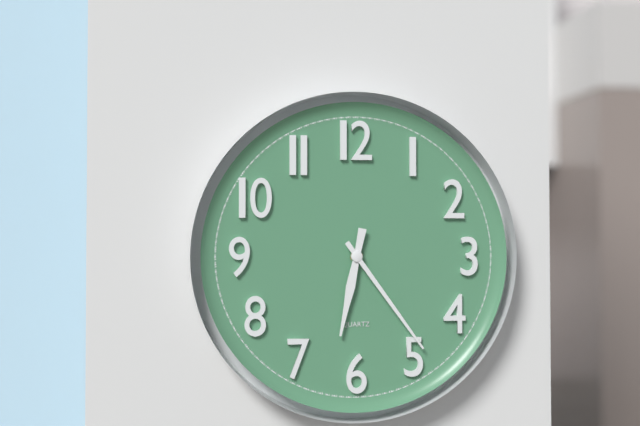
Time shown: **6:24**
